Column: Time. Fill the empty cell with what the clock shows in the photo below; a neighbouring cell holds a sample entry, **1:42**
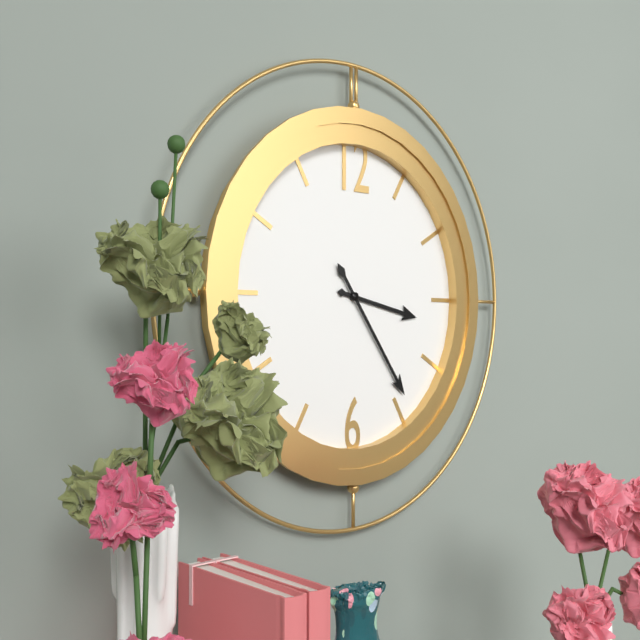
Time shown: **3:24**
